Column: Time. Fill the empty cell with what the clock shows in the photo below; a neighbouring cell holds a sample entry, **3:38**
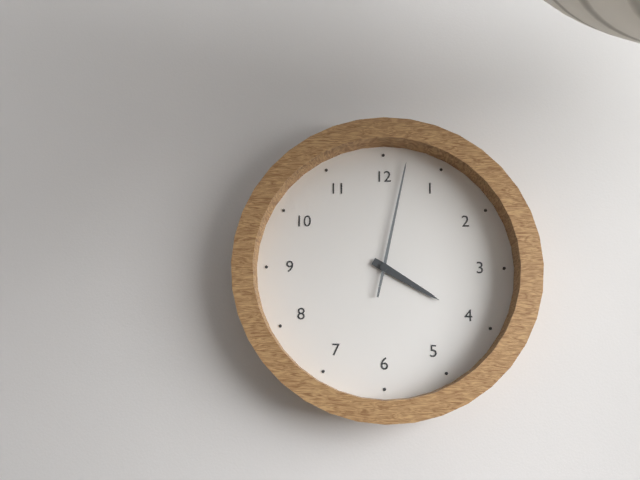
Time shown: **4:02**
